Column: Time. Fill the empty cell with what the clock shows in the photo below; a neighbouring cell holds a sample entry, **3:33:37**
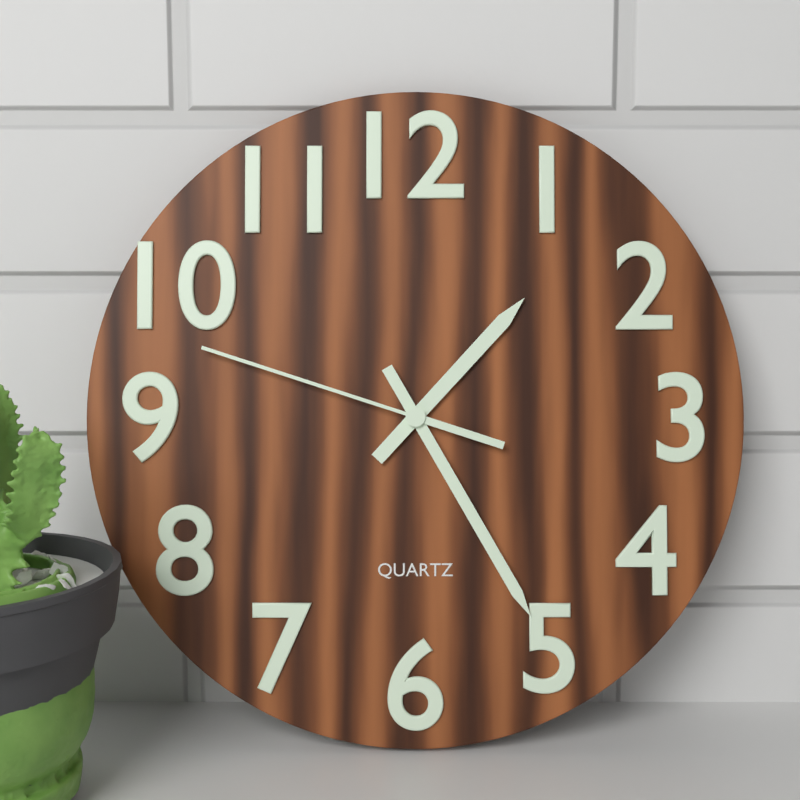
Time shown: **1:25:48**
